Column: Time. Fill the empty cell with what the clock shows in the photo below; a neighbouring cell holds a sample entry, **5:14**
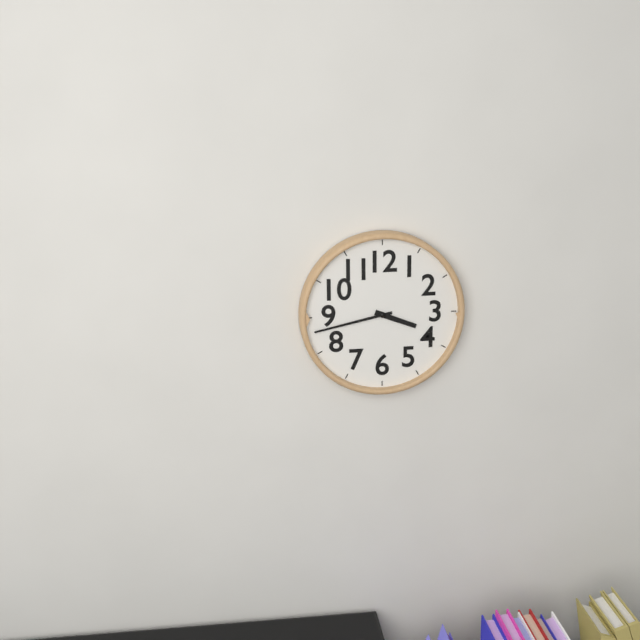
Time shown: **3:43**
